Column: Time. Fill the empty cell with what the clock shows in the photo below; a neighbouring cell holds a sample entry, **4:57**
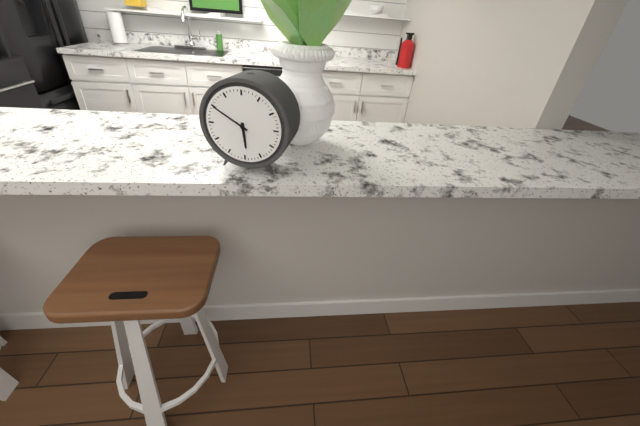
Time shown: **5:50**
